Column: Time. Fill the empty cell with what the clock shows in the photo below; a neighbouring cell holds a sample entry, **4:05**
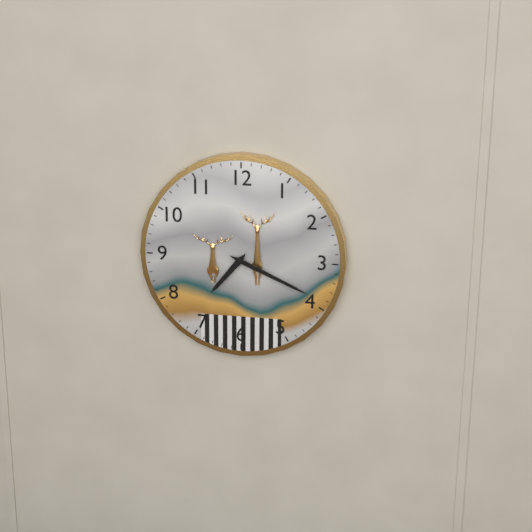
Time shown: **7:19**
